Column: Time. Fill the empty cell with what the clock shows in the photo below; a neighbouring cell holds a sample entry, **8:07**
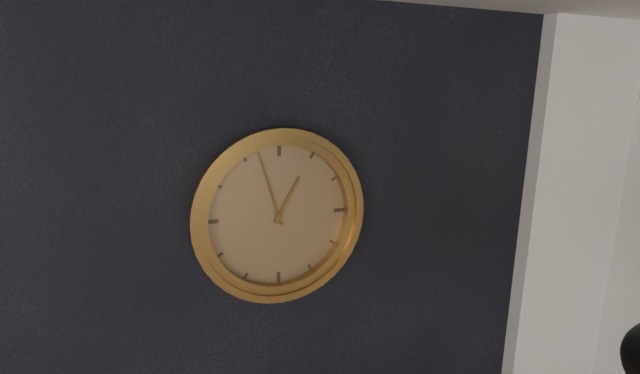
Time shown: **12:57**
